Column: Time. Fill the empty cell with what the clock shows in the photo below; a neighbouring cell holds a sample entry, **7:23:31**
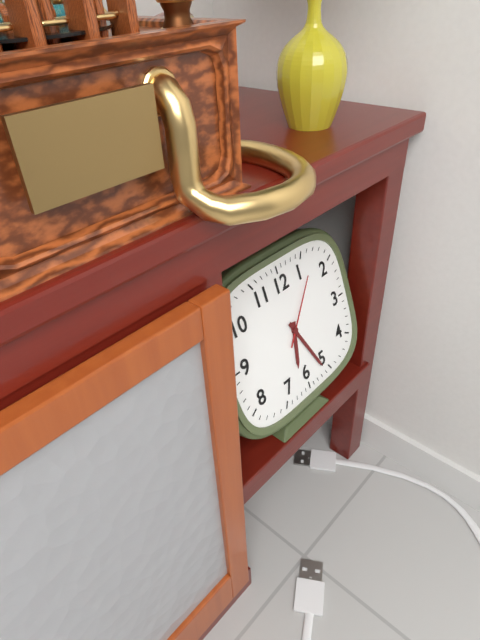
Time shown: **6:26:07**
